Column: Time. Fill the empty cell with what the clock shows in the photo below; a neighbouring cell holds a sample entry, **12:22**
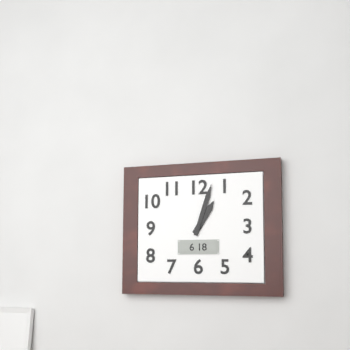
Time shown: **1:03**
